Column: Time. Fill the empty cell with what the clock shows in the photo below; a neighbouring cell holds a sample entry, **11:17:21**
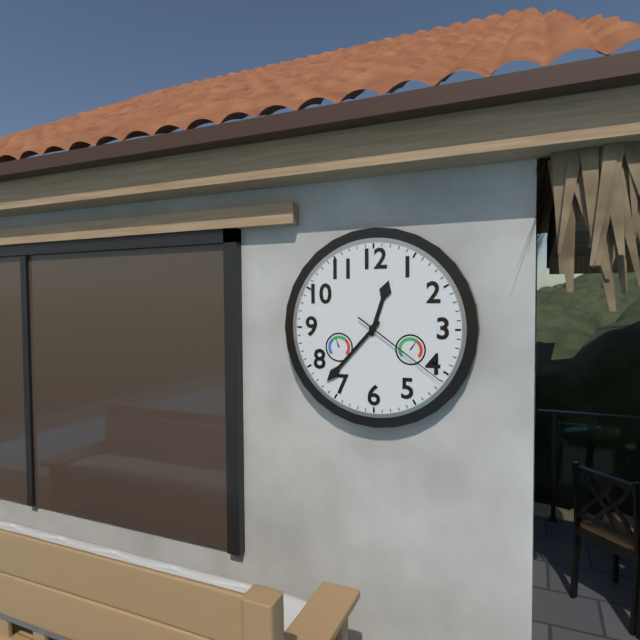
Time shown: **12:37:21**
